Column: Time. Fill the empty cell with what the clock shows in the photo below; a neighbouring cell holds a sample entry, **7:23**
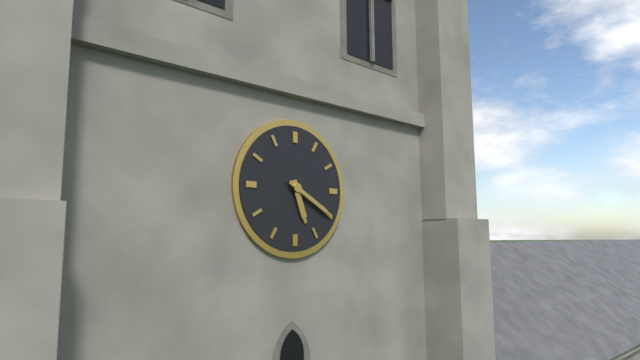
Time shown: **5:20**
